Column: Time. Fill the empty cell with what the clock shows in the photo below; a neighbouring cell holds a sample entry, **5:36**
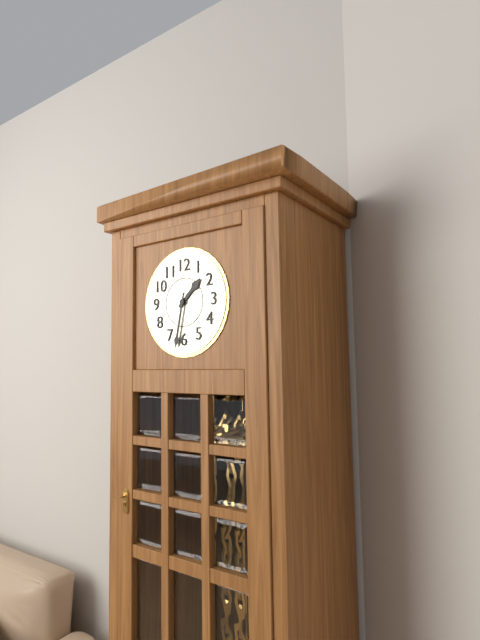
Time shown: **1:32**
